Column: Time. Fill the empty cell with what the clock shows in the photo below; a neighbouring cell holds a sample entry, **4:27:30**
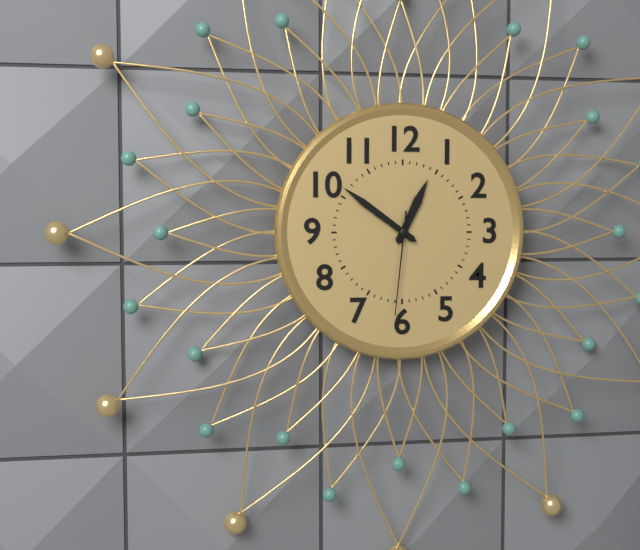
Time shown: **12:51:31**
